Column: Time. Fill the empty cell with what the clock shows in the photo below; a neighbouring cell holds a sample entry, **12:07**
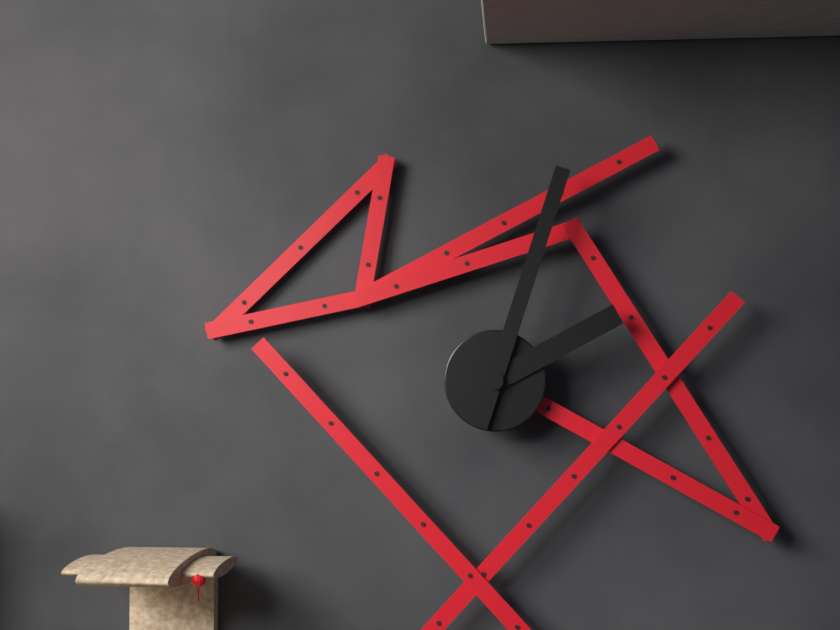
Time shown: **2:03**
